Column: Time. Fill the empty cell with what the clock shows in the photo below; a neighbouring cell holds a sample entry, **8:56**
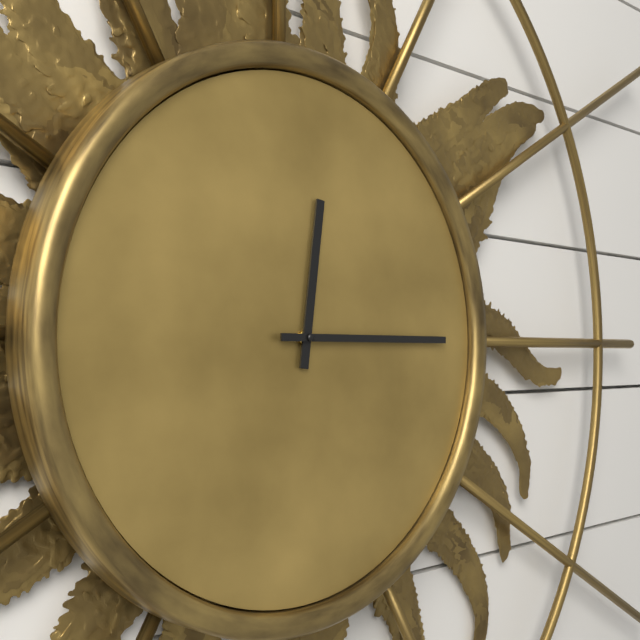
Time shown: **12:15**
